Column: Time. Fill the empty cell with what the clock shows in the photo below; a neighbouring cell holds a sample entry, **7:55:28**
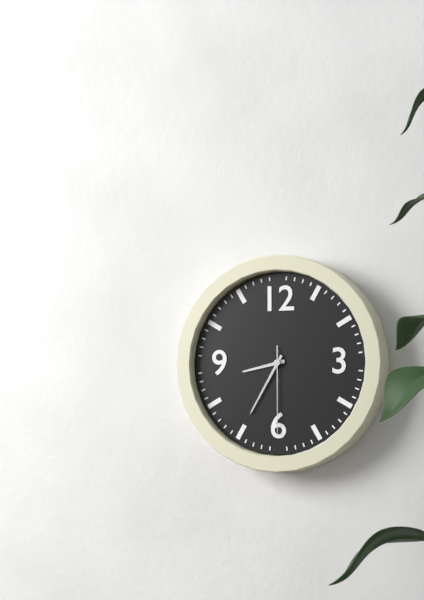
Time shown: **8:35:30**
